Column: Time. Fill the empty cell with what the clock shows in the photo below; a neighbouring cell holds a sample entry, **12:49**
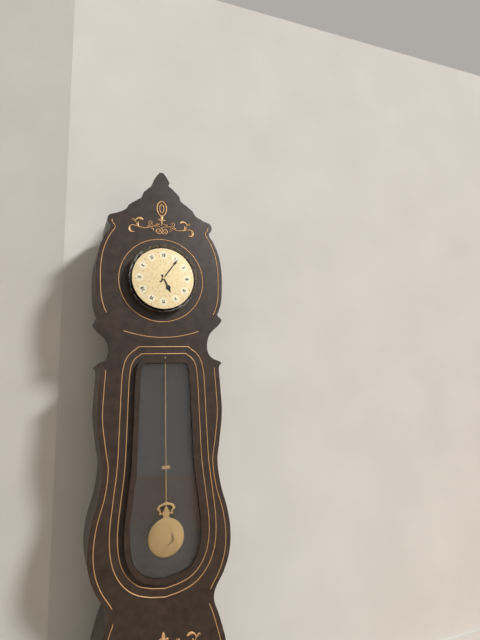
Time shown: **5:06**
